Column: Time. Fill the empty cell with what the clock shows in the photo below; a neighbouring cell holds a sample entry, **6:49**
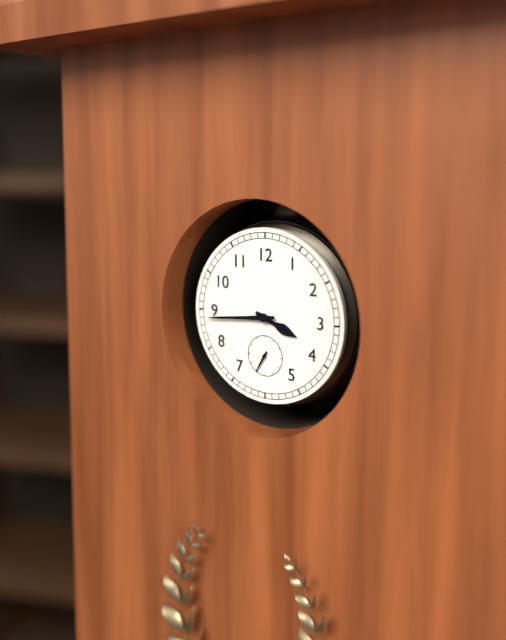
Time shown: **3:44**
